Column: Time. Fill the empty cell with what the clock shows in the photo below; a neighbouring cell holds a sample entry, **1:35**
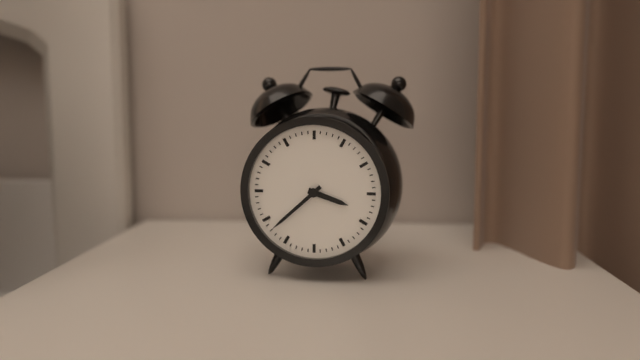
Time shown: **3:38**
